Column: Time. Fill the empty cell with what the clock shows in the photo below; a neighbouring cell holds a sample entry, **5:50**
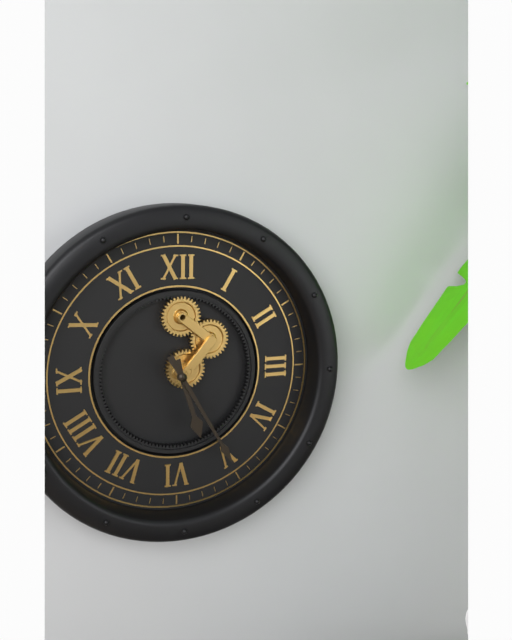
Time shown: **5:25**
